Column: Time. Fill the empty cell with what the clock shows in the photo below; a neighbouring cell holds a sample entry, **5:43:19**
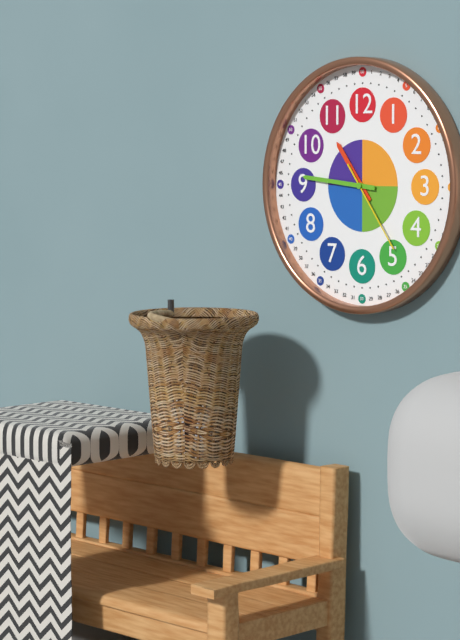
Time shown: **10:46:24**
